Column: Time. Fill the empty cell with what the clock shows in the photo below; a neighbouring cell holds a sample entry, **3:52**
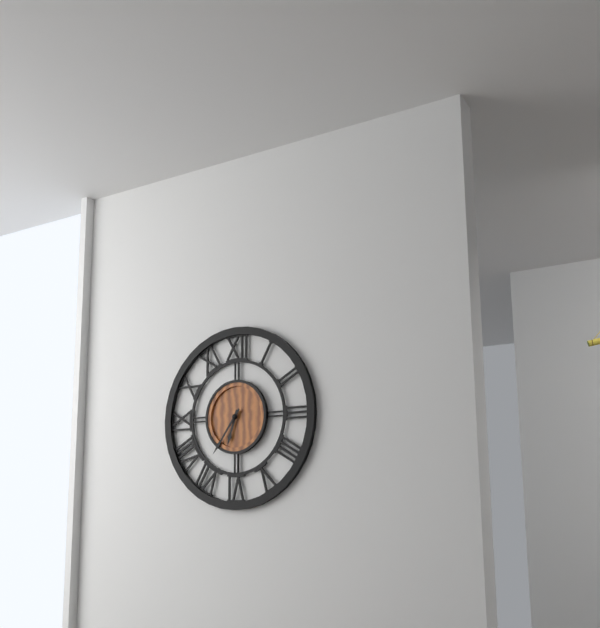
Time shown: **6:36**
